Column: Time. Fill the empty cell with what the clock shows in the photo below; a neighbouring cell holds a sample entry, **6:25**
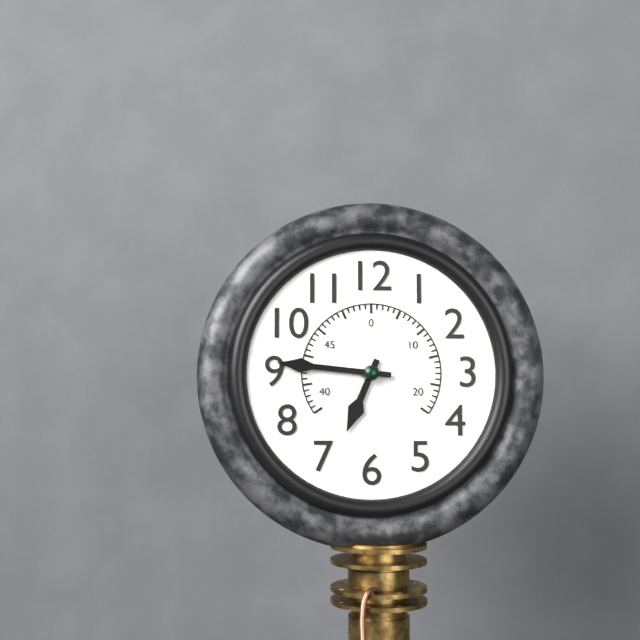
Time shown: **6:46**
